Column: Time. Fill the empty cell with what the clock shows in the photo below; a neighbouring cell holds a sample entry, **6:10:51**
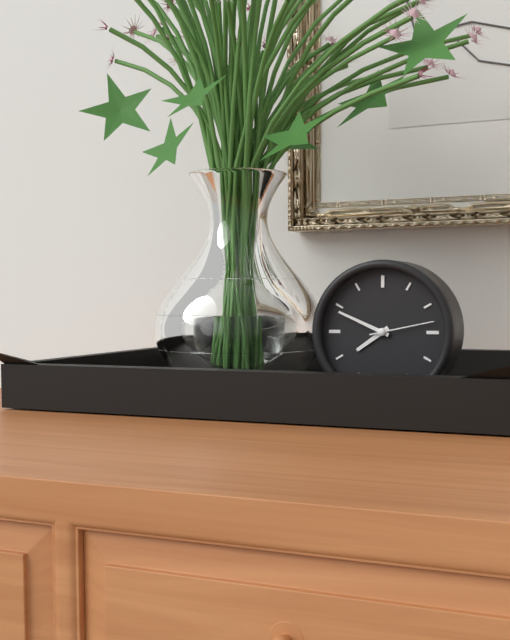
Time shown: **7:49:13**
